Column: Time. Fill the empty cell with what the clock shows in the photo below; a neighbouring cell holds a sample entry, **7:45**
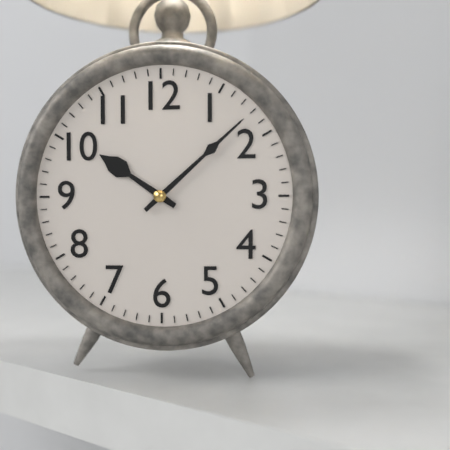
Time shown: **10:08**
